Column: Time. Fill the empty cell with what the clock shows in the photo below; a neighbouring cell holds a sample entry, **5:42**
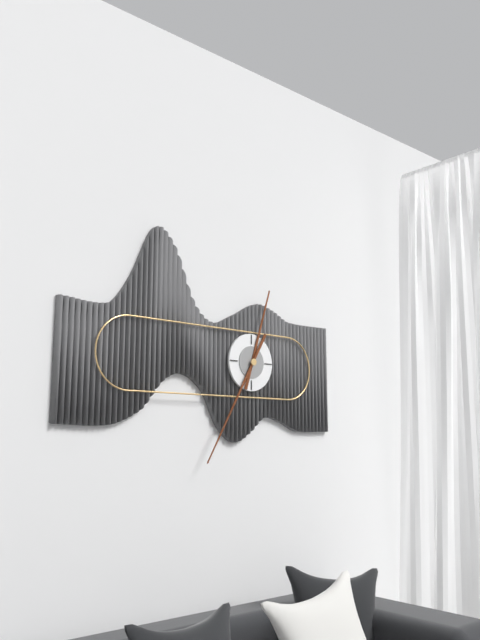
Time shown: **12:35**
